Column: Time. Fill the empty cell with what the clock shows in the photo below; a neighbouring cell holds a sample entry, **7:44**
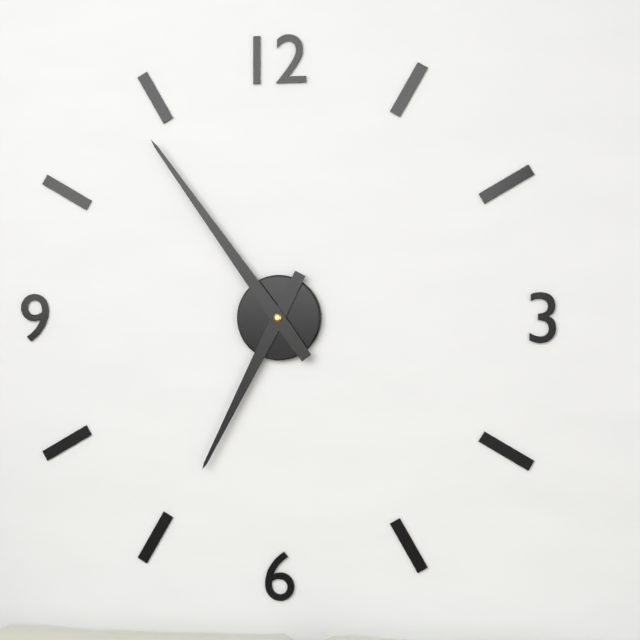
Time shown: **6:54**
